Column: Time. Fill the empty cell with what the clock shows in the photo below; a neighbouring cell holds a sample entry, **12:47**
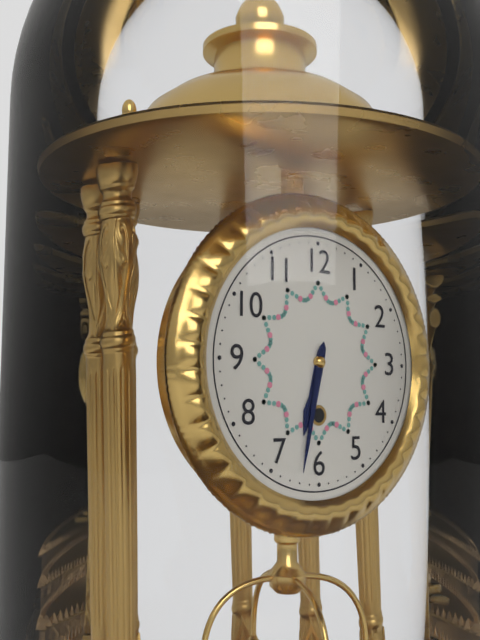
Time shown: **6:32**
